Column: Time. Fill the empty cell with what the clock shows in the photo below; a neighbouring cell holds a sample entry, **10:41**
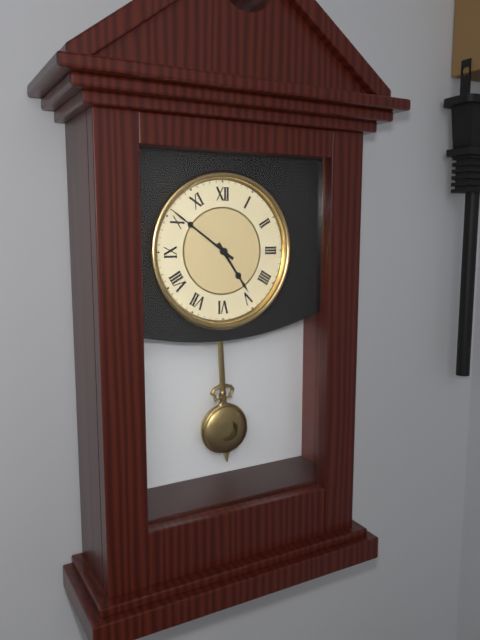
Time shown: **4:51**
